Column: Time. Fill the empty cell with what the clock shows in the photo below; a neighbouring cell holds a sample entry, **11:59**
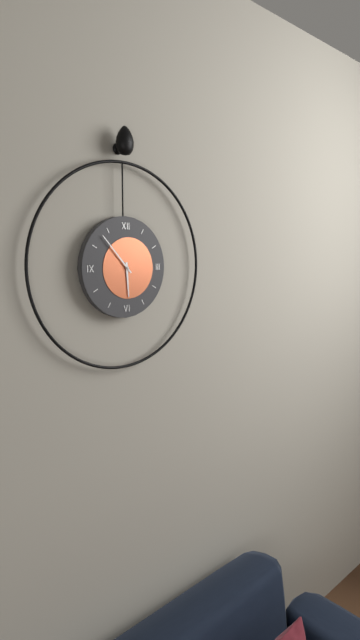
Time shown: **5:53**
